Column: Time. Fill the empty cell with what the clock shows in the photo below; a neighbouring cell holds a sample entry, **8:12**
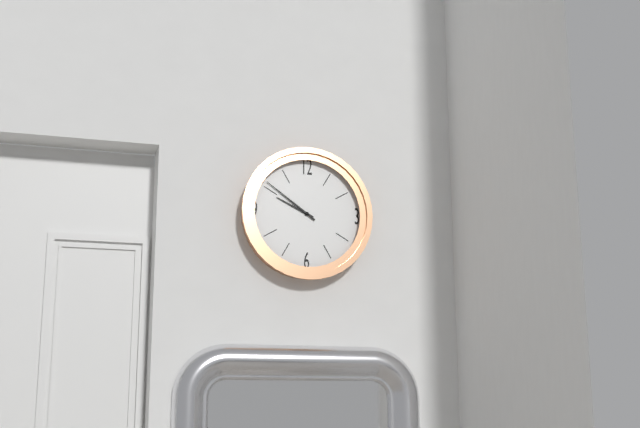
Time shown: **9:51**
